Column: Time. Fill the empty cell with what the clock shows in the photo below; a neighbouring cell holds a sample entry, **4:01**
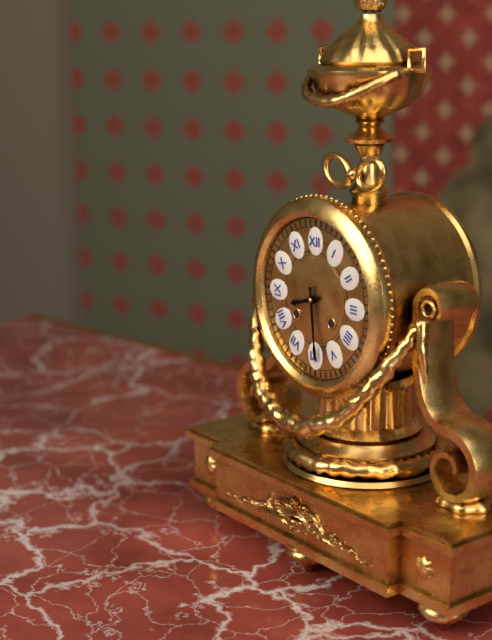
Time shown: **8:29**
